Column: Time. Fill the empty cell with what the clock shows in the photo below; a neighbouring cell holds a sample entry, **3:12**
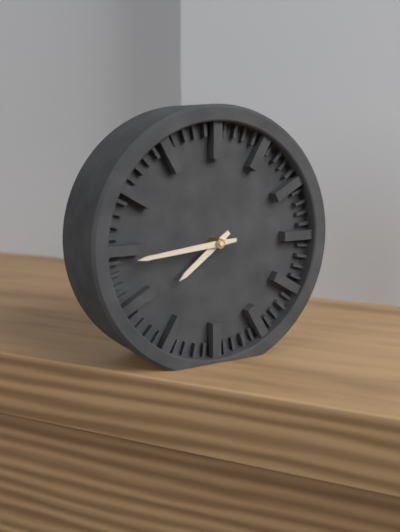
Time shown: **7:44**
